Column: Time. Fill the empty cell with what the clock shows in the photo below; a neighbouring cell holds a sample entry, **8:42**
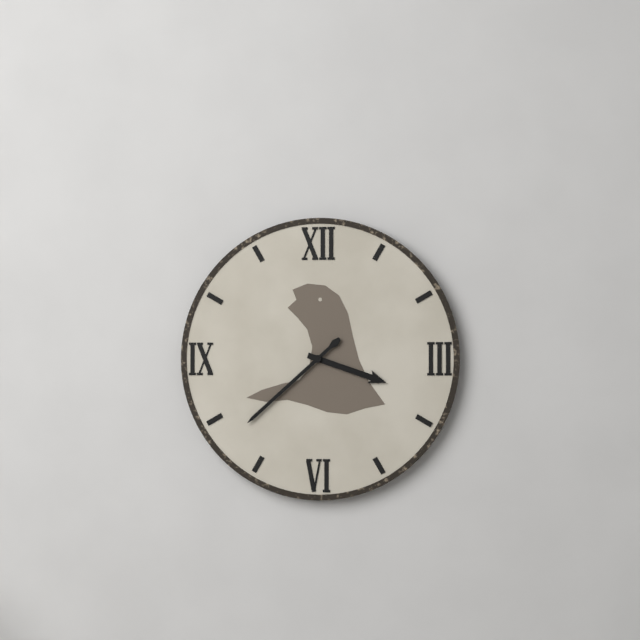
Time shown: **3:38**
